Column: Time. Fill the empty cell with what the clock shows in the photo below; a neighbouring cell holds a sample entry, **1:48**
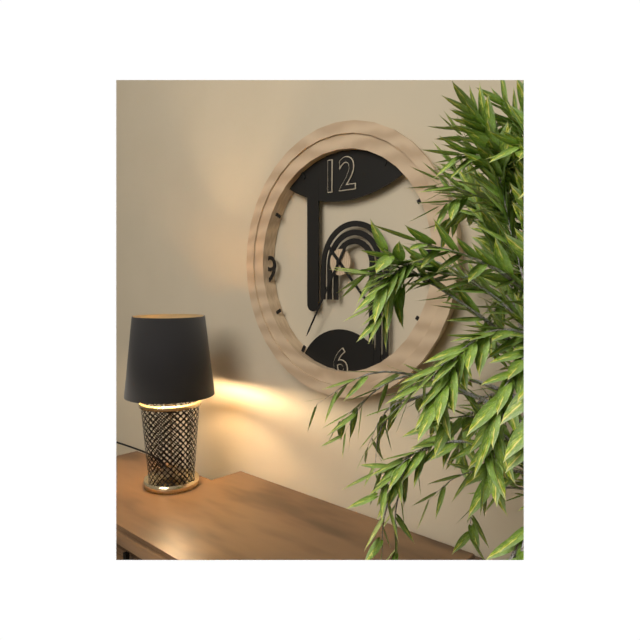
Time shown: **4:35**
